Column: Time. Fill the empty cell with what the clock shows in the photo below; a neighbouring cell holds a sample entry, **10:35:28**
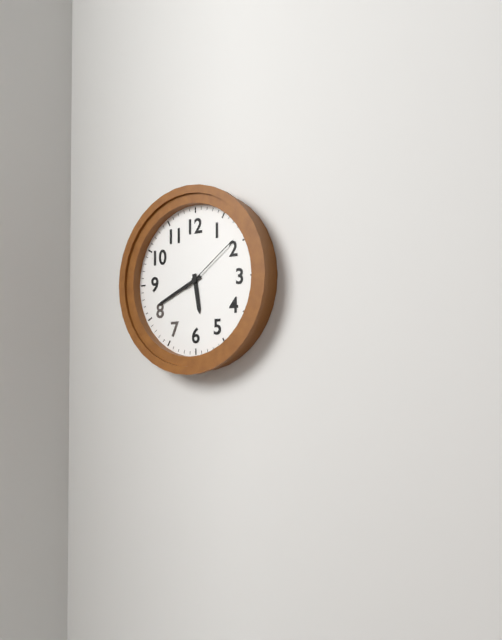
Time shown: **5:41:09**
